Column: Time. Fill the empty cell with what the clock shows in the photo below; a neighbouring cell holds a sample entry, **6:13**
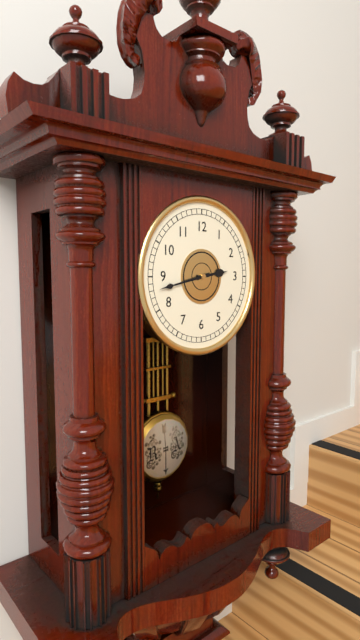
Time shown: **2:43**
